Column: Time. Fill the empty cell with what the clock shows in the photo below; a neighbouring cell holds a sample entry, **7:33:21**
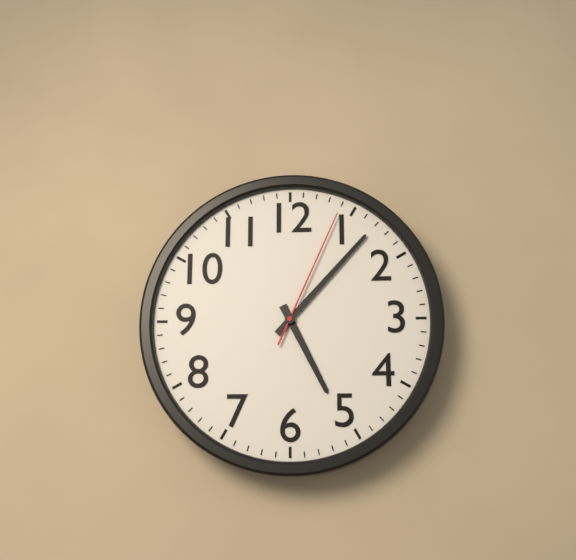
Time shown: **5:07:04**
